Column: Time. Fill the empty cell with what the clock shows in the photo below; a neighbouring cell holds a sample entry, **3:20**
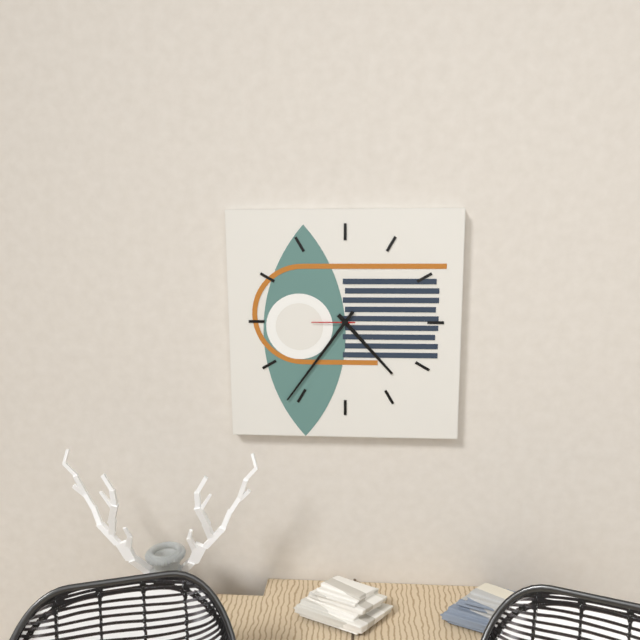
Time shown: **4:36**
